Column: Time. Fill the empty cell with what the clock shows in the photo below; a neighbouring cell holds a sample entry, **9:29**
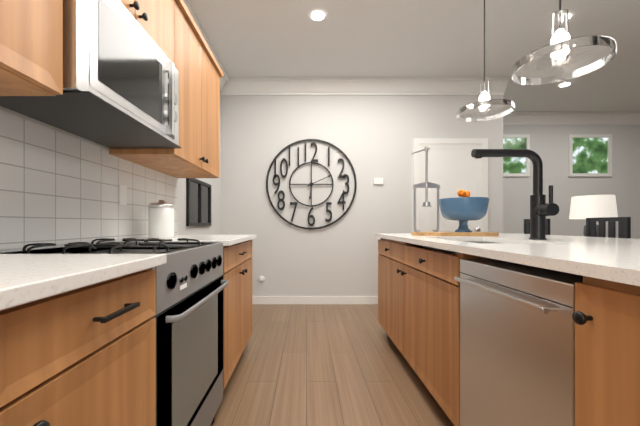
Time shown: **6:11**
